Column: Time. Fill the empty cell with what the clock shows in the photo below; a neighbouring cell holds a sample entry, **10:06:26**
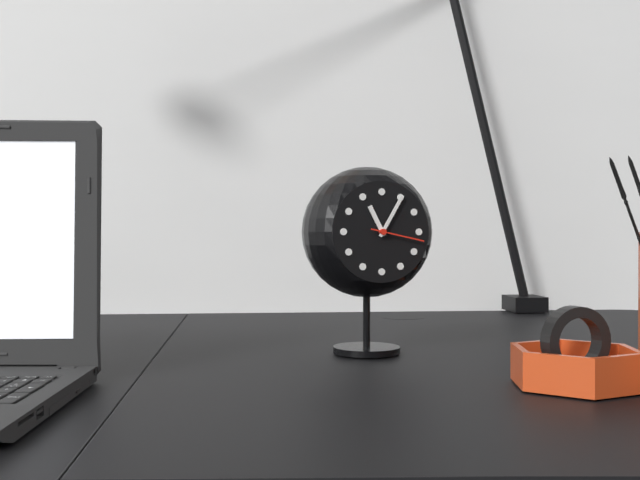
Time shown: **11:05:17**
